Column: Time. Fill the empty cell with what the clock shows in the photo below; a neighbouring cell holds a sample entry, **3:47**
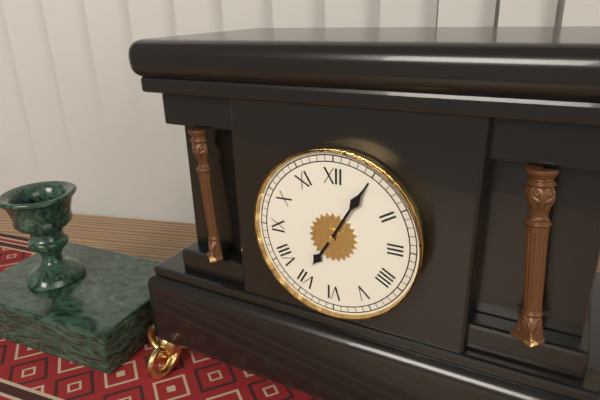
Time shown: **7:05**
